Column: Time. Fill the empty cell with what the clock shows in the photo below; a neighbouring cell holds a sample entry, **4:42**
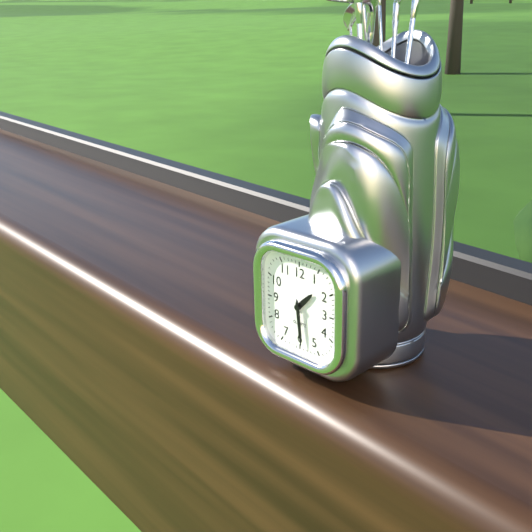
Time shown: **1:29**
